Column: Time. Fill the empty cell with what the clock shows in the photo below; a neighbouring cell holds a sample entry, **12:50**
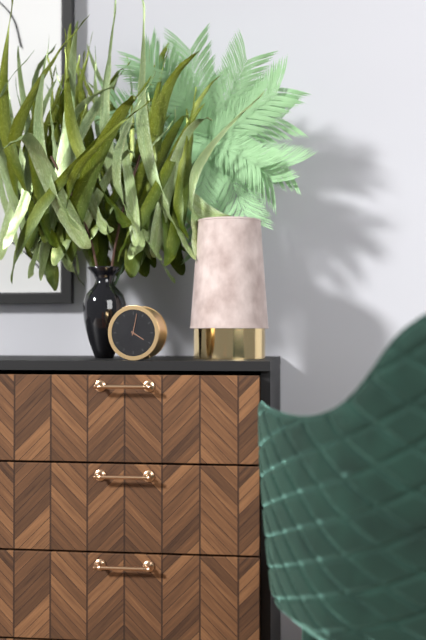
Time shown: **4:02**
